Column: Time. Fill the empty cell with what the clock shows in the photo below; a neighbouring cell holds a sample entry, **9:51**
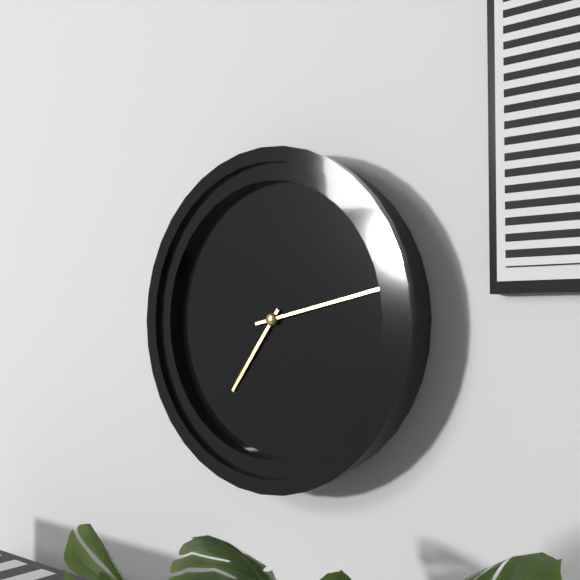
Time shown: **7:13**
